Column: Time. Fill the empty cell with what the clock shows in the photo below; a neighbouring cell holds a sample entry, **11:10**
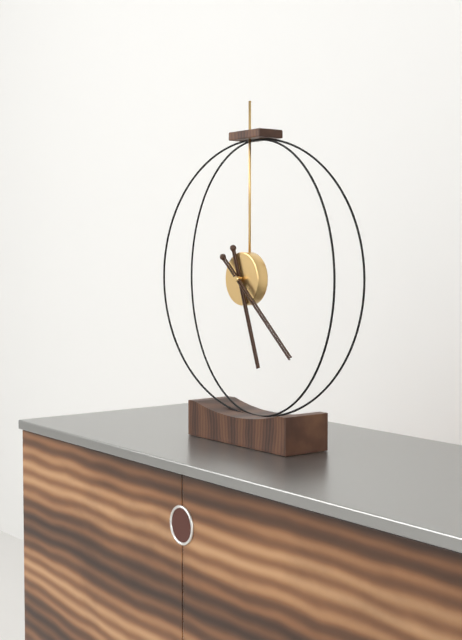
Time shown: **5:22**
